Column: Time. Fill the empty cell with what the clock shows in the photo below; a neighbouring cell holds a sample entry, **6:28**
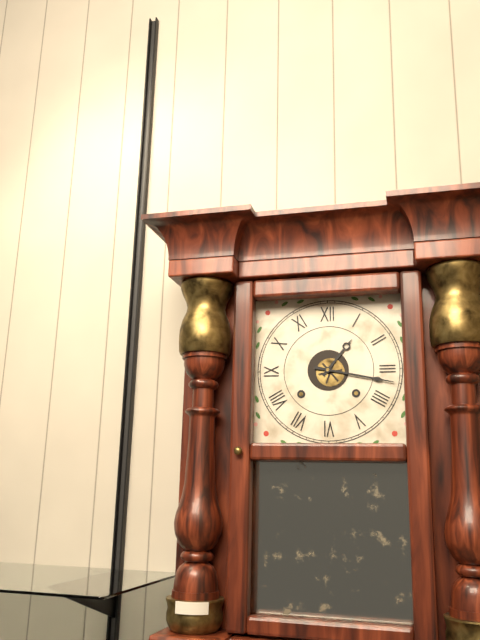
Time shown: **1:17**
